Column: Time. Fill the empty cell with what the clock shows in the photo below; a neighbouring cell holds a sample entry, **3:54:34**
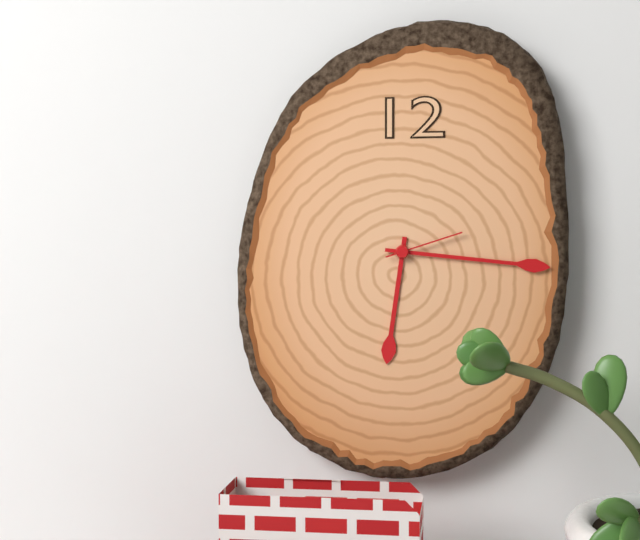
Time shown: **6:16:12**
